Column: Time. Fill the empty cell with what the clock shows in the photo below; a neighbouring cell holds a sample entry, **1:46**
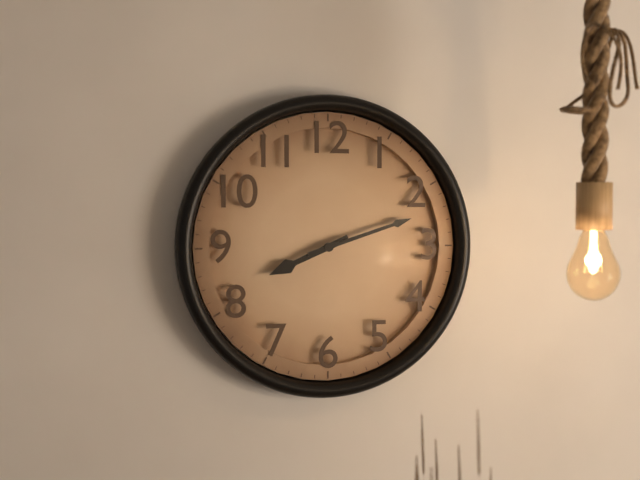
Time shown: **8:12**
